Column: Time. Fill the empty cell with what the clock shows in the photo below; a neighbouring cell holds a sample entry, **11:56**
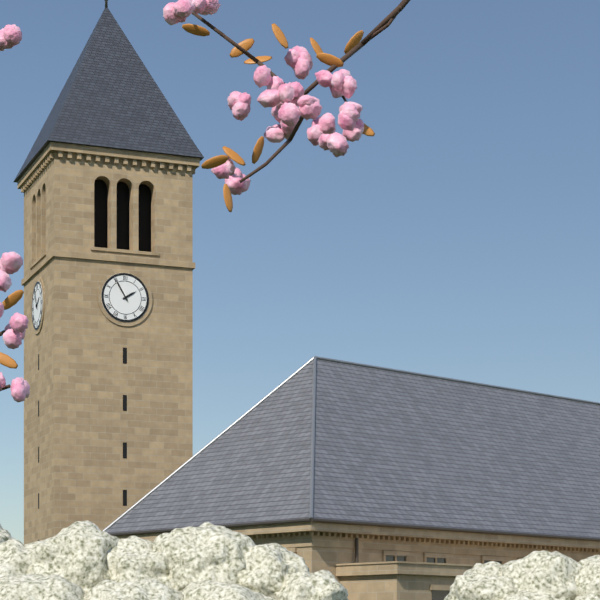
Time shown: **1:55**
